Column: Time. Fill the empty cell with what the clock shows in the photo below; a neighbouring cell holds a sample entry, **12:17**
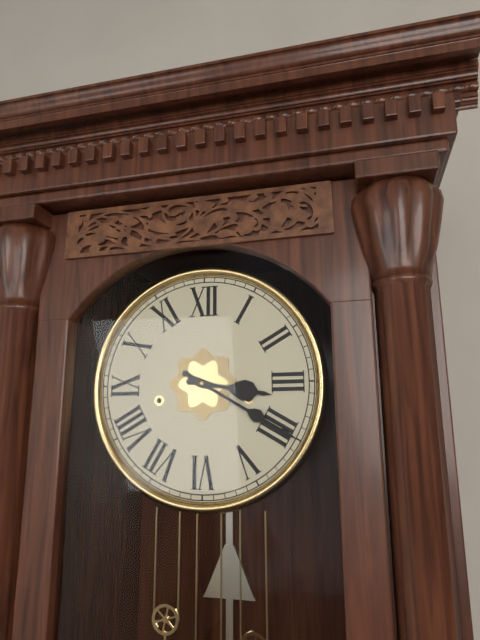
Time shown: **3:20**
